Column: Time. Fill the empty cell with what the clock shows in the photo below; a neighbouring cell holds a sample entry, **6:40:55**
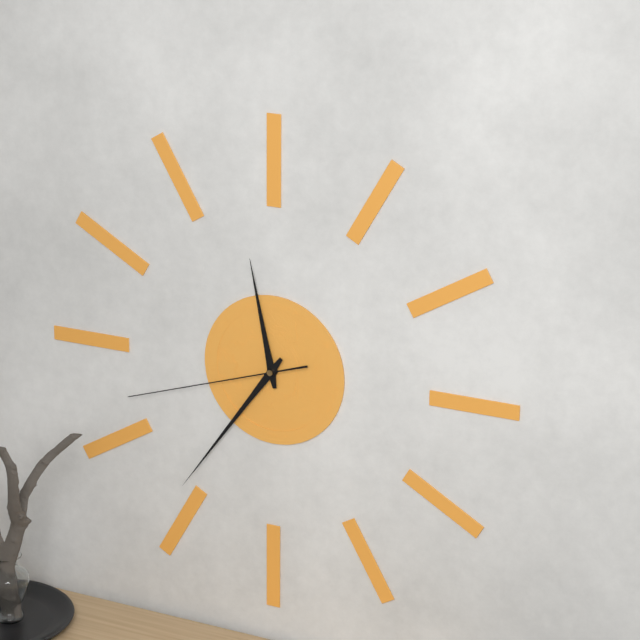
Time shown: **11:36:42**
